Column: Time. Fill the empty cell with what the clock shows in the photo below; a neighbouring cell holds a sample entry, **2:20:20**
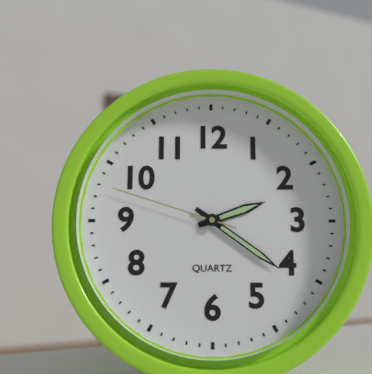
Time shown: **2:21:48**
